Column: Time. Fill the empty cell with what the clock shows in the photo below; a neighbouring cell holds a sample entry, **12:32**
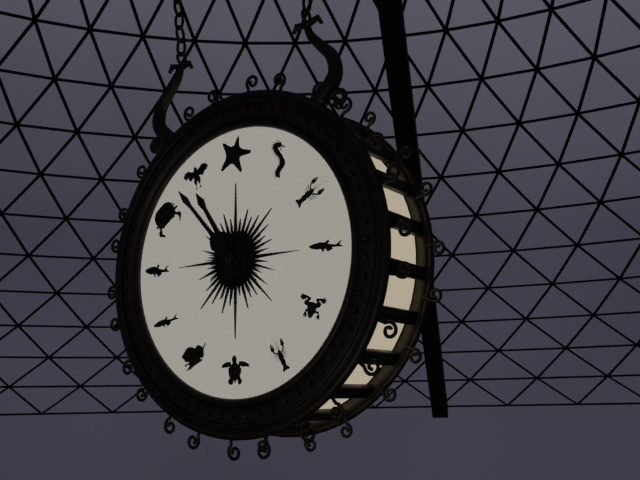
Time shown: **10:53**
